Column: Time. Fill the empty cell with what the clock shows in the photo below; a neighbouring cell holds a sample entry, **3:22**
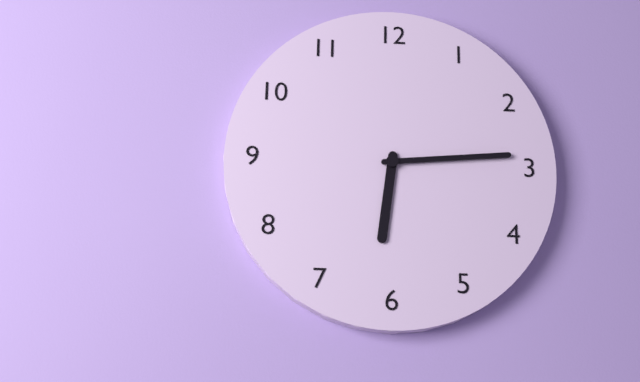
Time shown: **6:14**
